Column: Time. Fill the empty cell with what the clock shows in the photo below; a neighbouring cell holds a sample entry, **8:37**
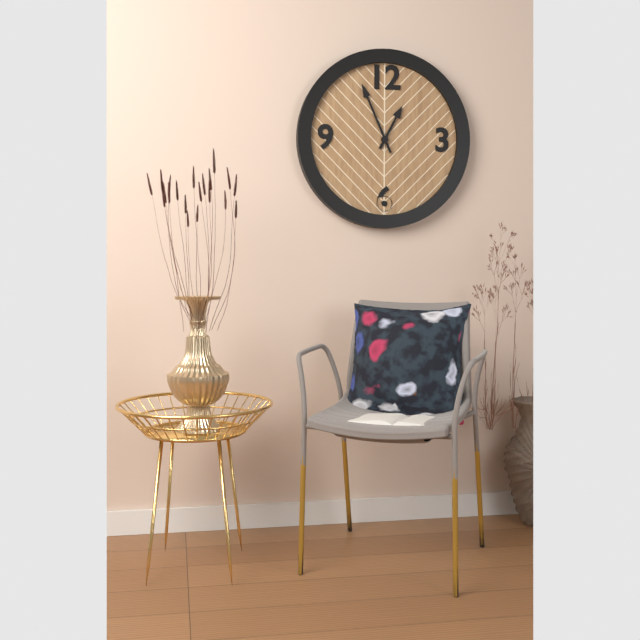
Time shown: **12:56**
